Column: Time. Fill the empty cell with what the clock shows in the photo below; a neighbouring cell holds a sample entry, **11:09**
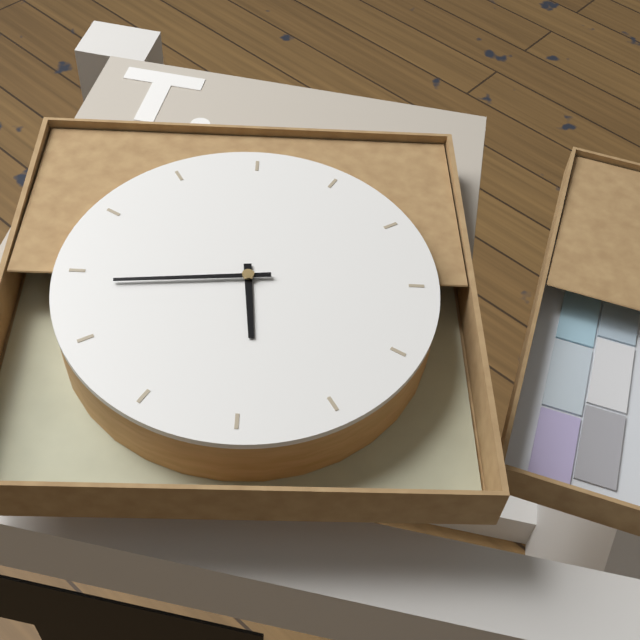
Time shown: **6:49**
